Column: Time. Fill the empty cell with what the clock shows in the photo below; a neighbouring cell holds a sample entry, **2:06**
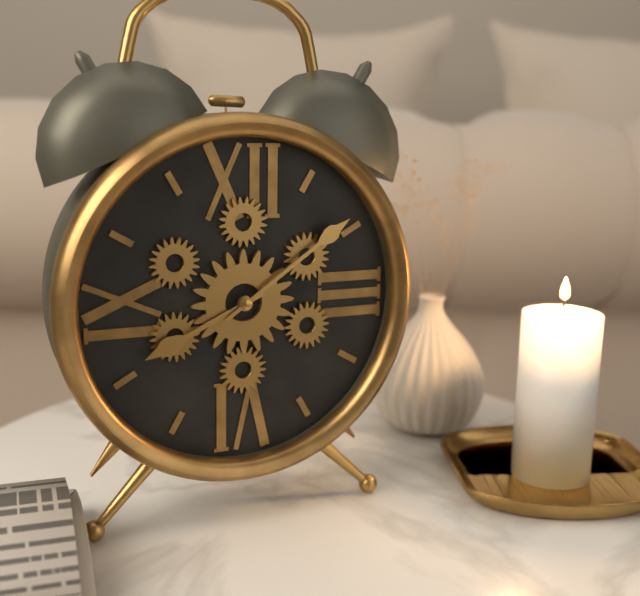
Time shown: **8:09**
